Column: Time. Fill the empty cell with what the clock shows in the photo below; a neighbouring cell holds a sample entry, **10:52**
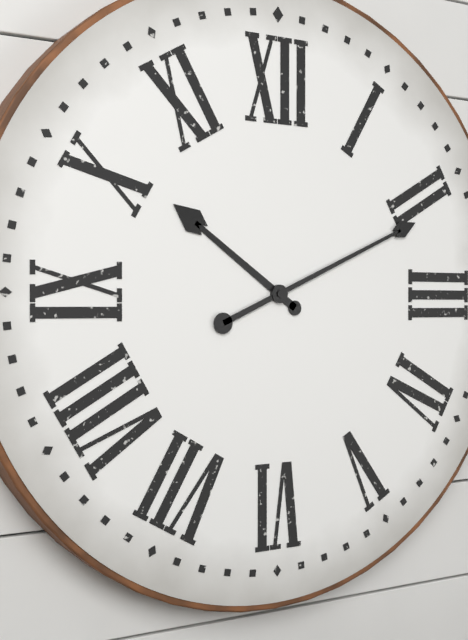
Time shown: **10:11**
